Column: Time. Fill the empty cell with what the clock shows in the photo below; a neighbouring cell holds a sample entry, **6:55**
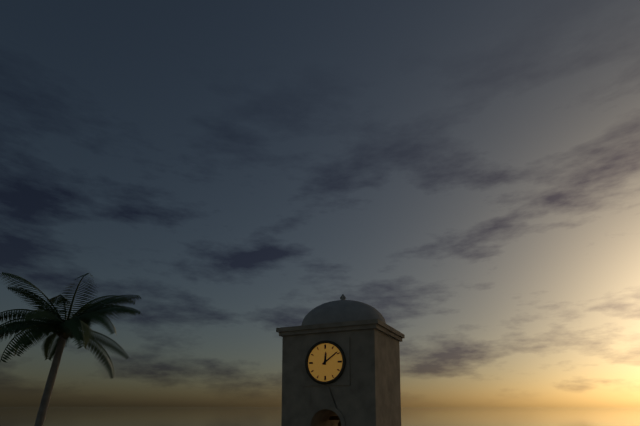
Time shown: **12:09**
